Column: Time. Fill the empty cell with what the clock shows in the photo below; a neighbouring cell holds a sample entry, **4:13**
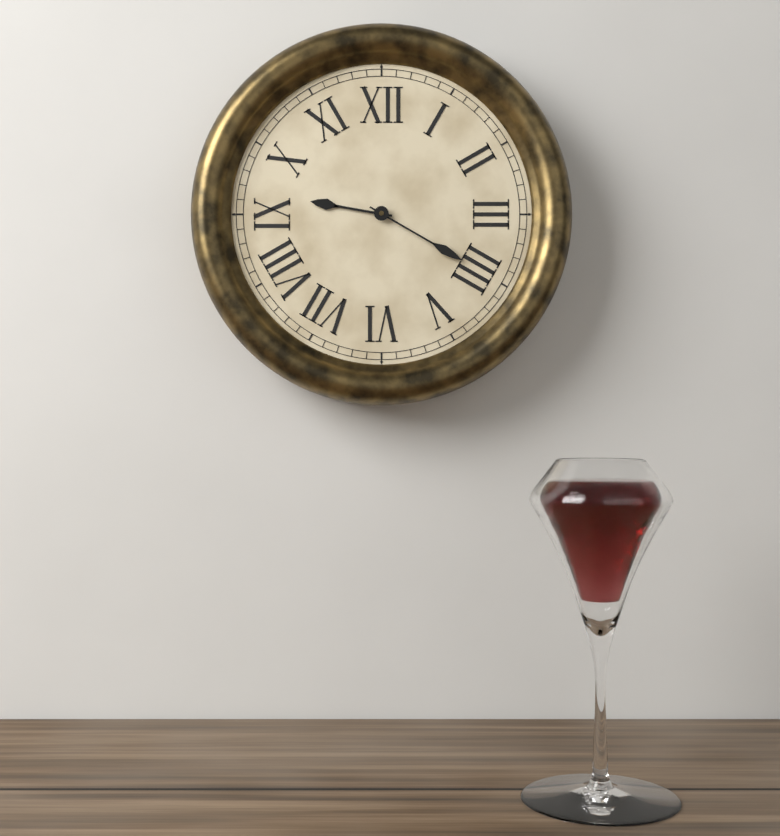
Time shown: **9:20**
